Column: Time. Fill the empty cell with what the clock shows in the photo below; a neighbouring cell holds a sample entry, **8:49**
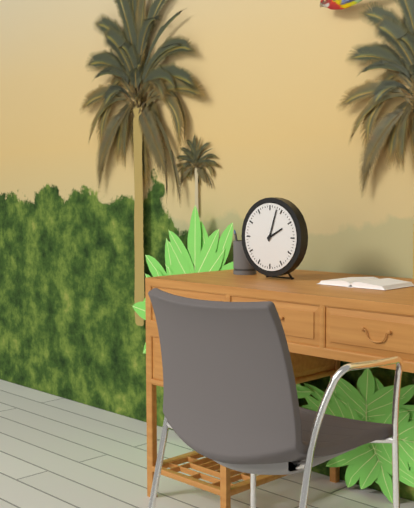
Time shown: **2:03**
